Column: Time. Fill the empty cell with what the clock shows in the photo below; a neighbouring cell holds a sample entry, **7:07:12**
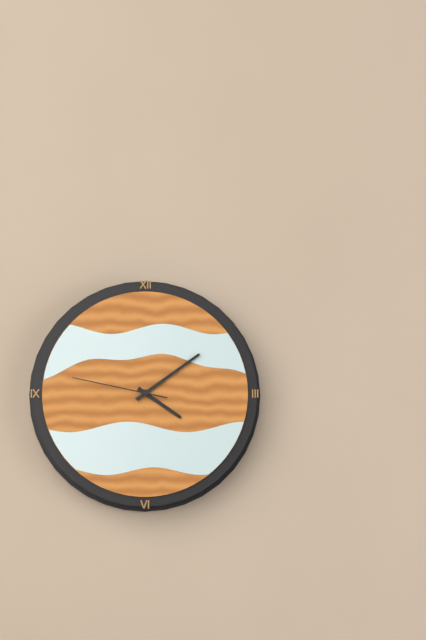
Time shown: **4:09:47**
